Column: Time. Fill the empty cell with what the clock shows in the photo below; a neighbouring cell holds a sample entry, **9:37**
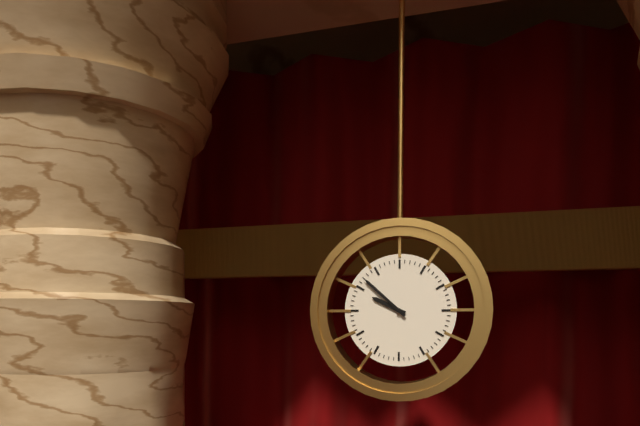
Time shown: **9:52**
